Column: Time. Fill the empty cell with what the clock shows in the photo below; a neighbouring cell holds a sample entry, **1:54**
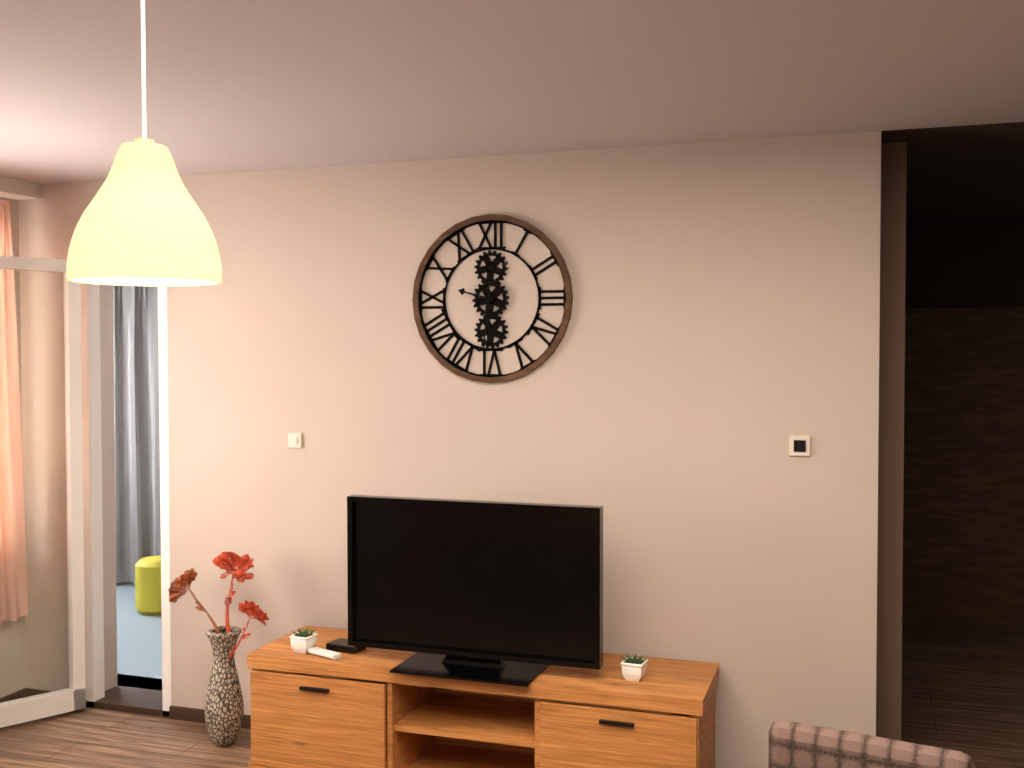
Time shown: **9:31**
